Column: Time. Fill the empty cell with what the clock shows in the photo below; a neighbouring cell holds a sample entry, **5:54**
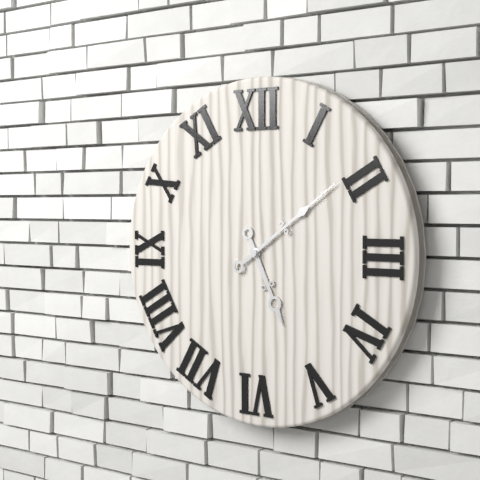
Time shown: **5:09**
